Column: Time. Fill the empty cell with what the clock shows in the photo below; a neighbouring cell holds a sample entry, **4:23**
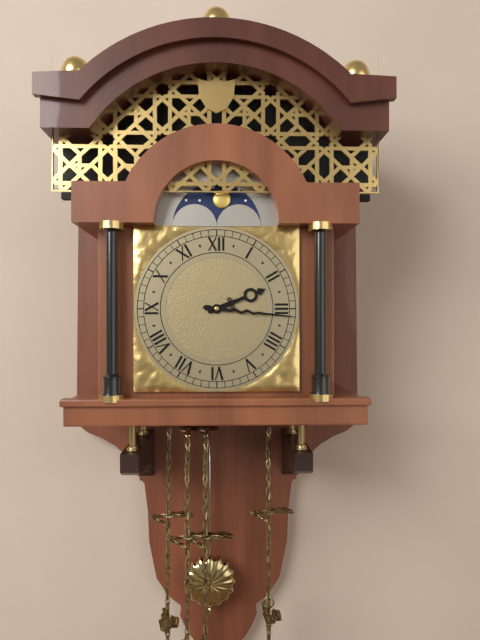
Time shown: **2:16**
